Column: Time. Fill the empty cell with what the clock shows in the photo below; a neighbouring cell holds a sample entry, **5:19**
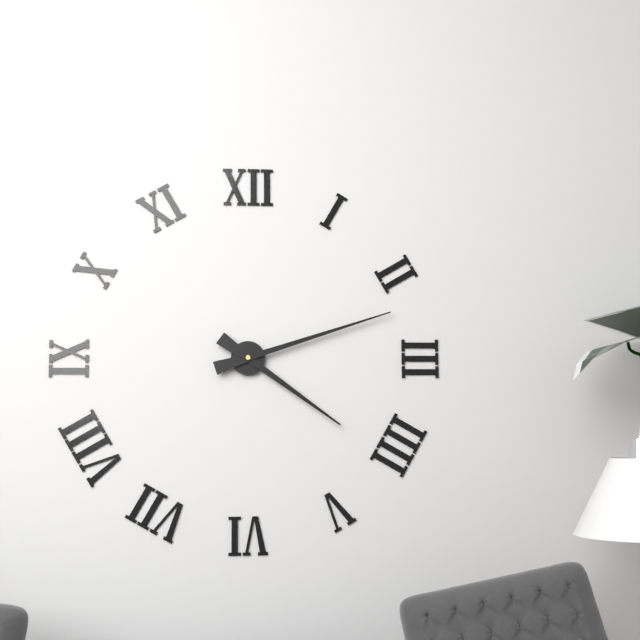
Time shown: **4:12**
